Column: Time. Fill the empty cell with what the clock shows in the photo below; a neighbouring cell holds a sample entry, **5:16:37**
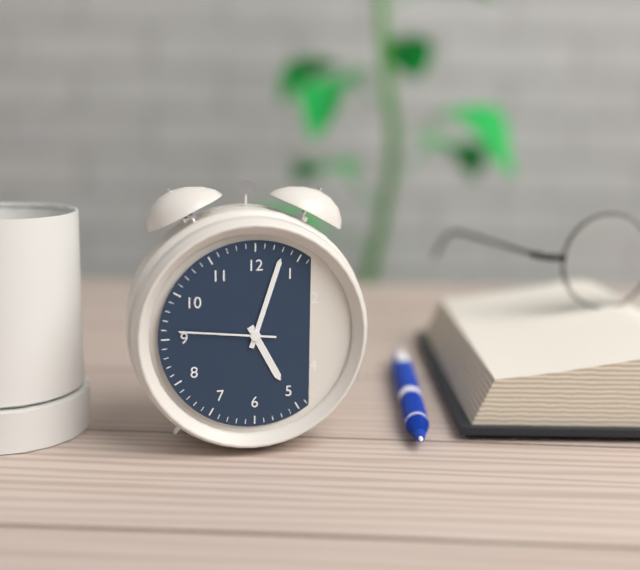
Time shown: **5:03:46**
